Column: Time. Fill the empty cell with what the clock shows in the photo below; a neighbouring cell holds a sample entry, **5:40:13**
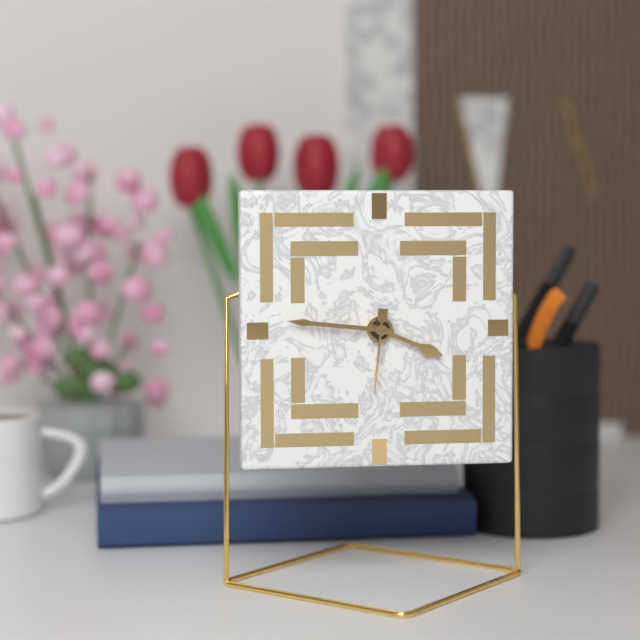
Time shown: **3:46:31**
